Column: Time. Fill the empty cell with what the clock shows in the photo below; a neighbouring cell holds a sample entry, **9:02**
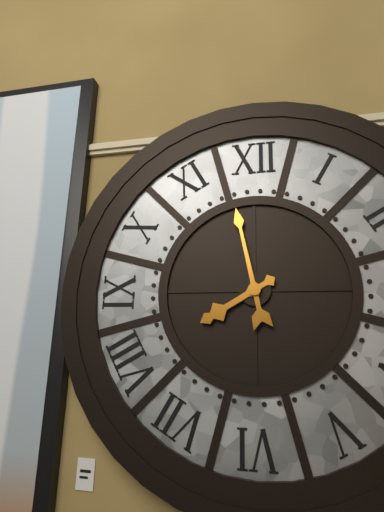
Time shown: **7:58**
